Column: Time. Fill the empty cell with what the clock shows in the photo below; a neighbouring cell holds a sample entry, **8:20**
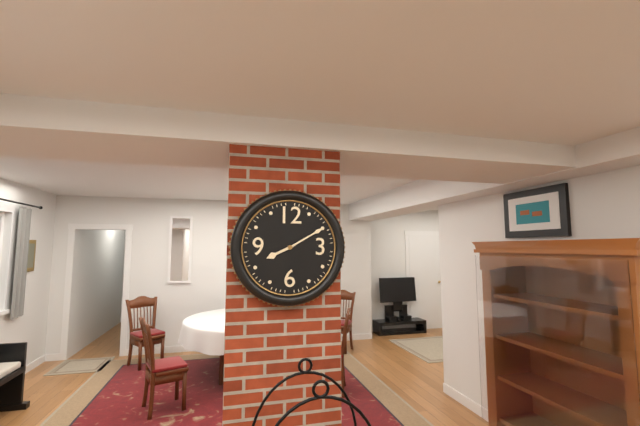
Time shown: **8:10**
